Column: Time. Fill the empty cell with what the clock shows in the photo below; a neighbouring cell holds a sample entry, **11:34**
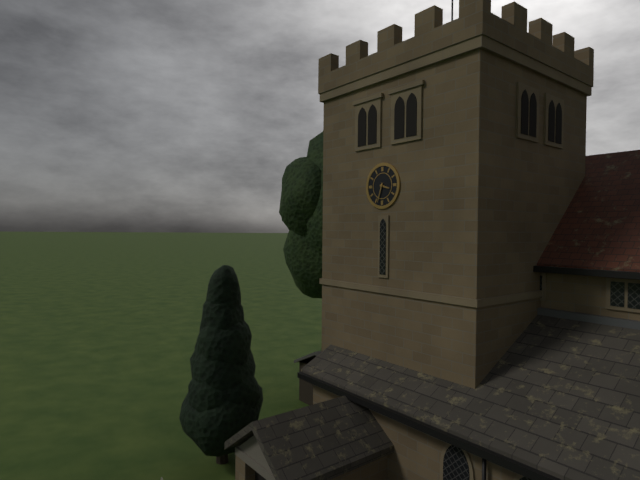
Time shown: **3:33**
